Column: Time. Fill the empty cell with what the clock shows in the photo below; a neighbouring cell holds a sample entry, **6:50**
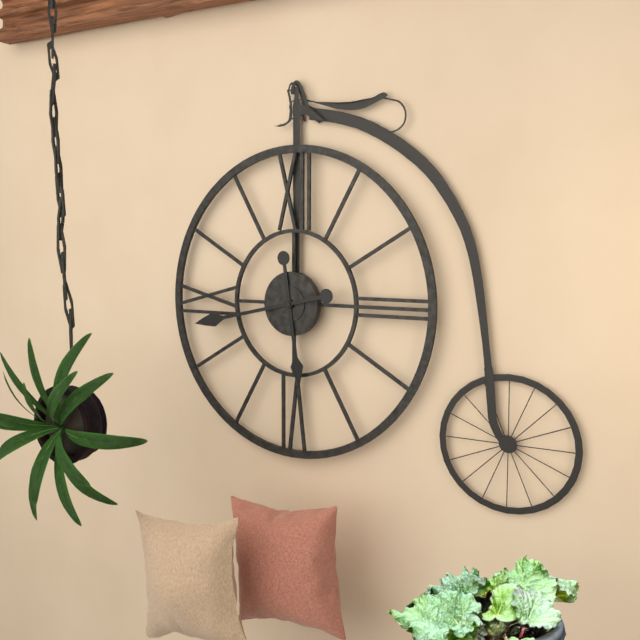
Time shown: **5:43**
